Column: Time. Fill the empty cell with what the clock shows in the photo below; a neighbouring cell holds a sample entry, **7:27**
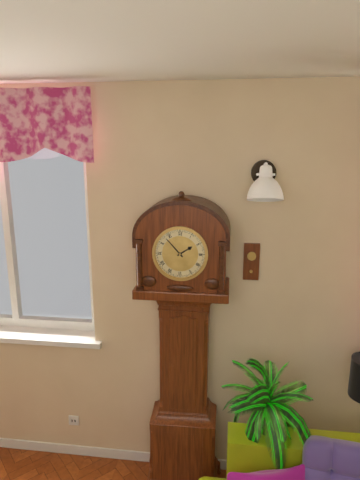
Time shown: **1:53**
